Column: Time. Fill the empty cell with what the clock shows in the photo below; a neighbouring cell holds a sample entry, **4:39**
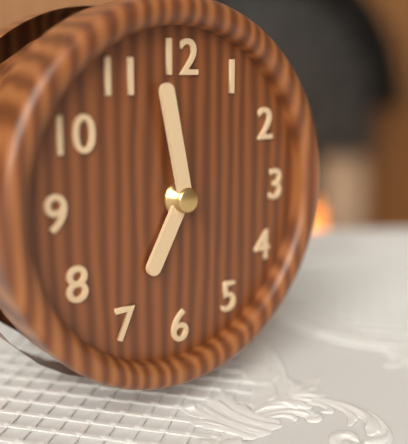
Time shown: **6:58**
